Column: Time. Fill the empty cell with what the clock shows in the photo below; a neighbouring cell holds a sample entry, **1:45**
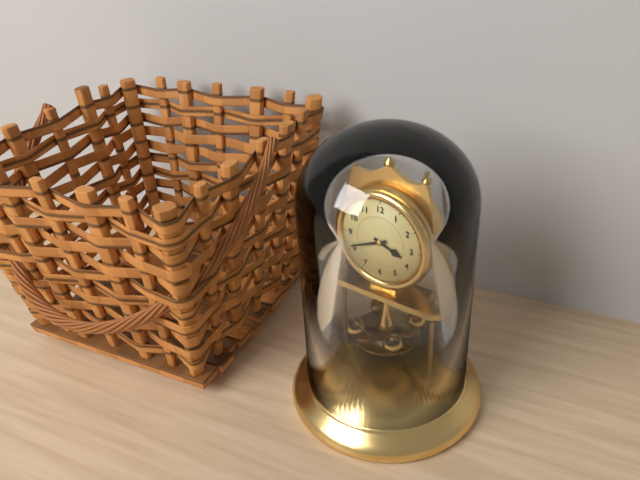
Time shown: **3:41**
